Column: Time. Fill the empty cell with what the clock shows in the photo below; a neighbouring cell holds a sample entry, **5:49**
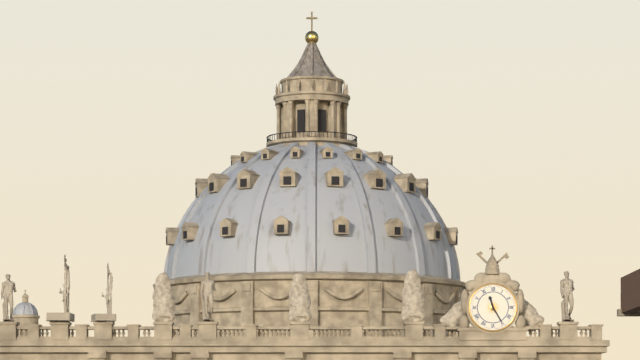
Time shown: **11:25**
